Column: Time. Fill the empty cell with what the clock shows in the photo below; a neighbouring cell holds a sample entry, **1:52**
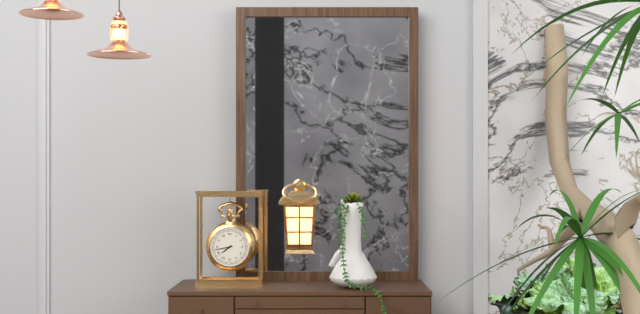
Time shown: **7:43**
